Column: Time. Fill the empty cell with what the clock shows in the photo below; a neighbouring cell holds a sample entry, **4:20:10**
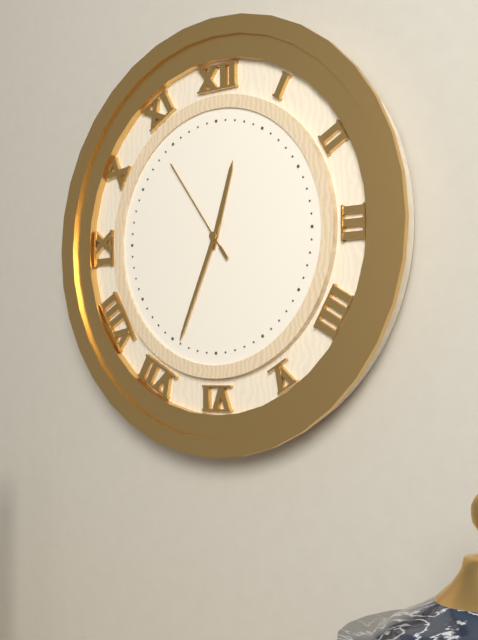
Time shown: **12:34:54**
